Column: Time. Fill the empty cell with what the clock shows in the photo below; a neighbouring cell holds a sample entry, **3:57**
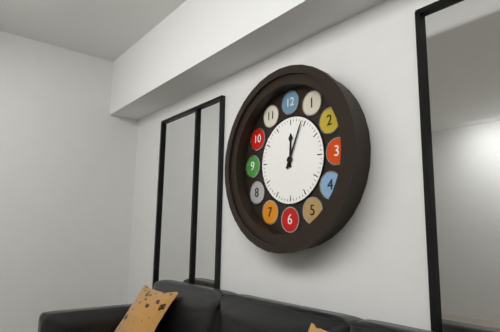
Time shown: **12:04**
